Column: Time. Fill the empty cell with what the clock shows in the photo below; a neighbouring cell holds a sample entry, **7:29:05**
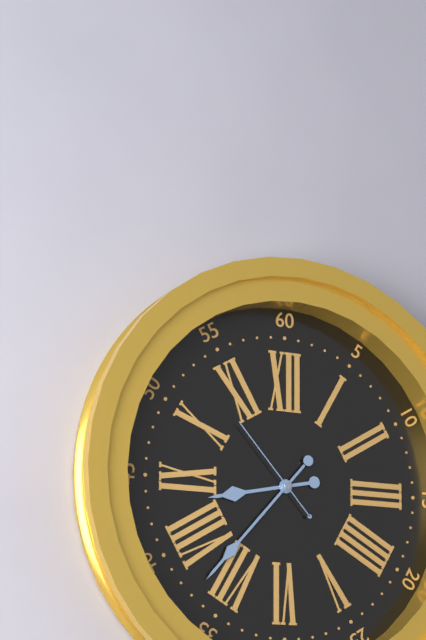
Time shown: **8:37:53**
